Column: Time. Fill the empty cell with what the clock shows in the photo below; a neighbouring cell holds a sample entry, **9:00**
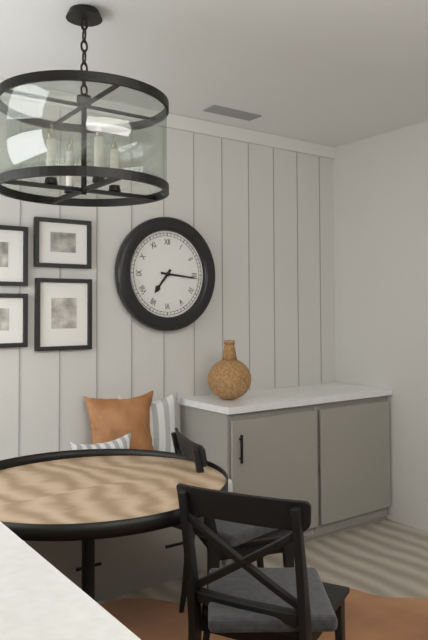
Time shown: **7:16**
